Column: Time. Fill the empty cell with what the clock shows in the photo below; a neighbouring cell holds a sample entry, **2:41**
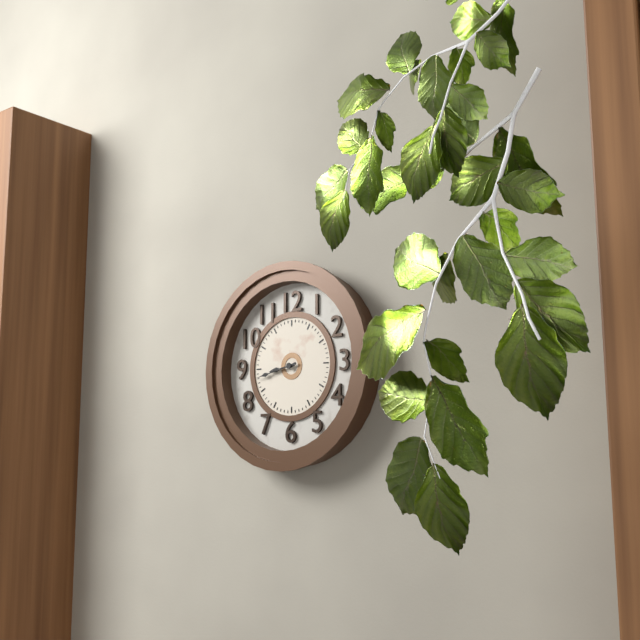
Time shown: **8:43**
